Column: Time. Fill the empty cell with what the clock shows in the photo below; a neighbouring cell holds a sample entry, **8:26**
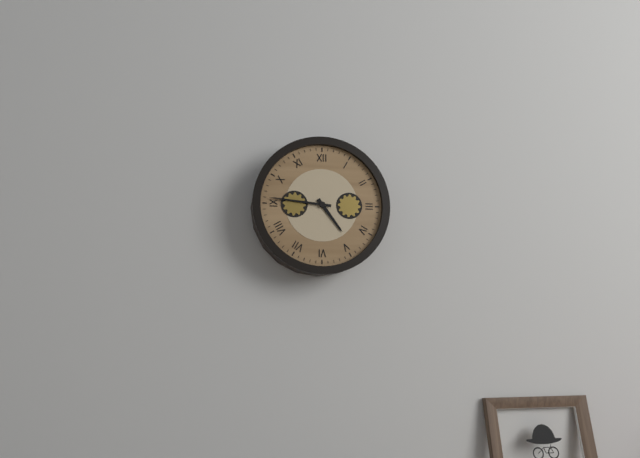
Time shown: **4:46**
